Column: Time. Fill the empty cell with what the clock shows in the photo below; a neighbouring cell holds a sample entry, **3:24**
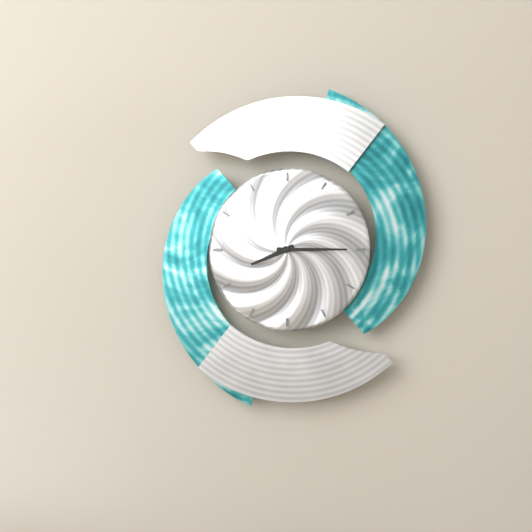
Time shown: **8:15**
